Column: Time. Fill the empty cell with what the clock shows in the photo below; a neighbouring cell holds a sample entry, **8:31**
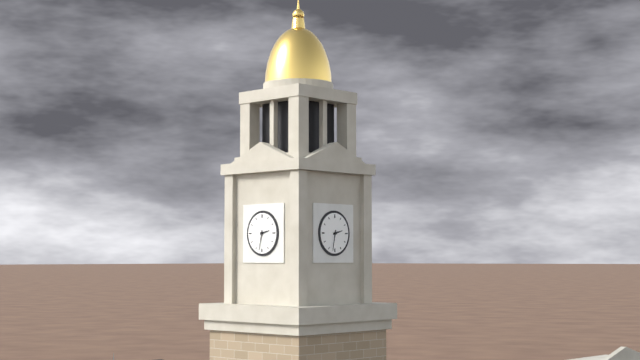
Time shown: **2:32**
